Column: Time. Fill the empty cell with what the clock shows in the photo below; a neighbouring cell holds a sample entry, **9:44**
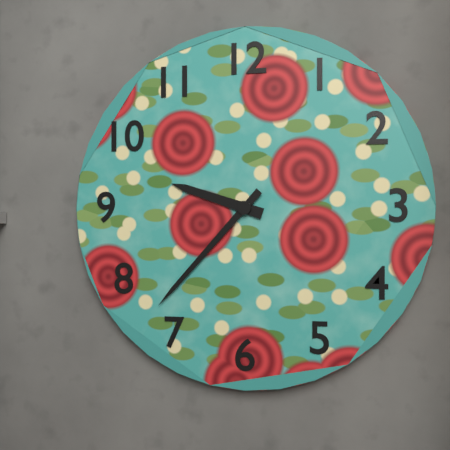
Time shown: **9:37**
